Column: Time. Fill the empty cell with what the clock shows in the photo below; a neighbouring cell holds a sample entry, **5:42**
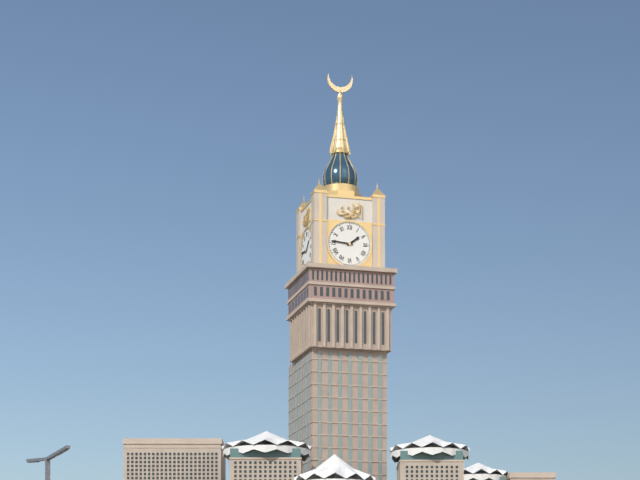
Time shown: **1:46**
